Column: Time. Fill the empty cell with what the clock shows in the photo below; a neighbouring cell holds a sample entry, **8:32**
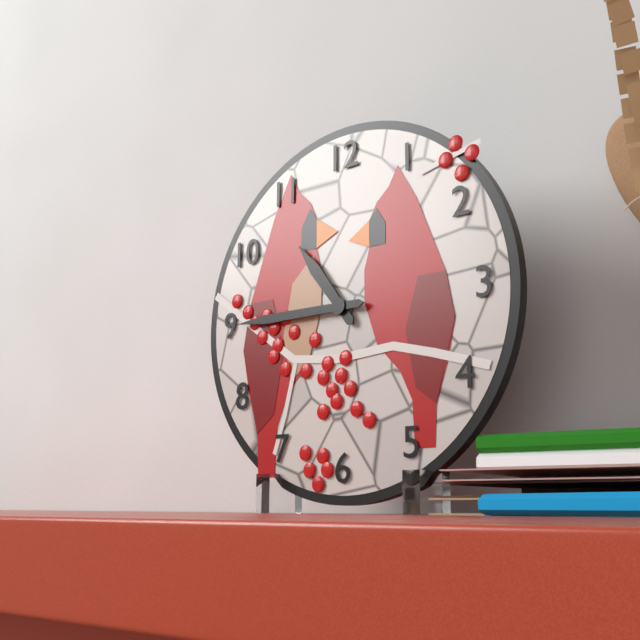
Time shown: **10:45**
